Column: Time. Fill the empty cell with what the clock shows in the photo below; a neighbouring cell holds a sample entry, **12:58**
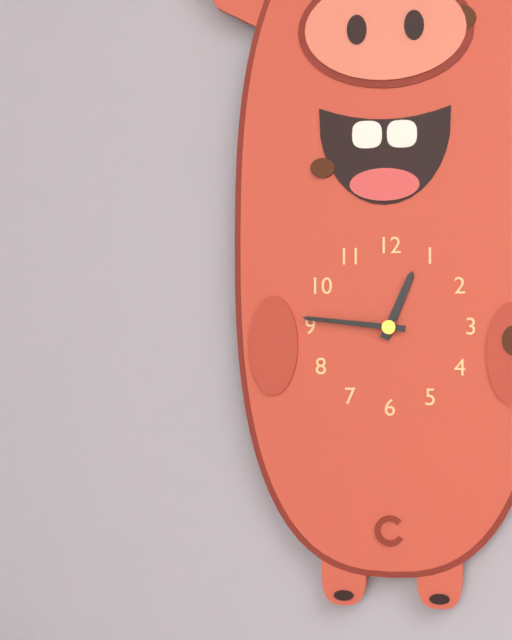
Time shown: **12:46**
